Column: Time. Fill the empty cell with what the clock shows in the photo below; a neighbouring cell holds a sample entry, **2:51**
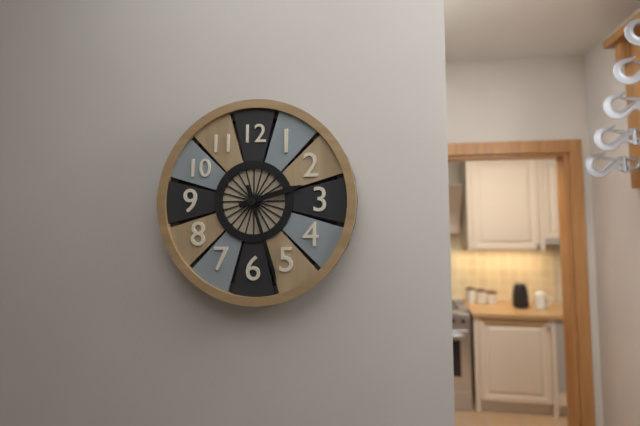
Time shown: **2:27**
